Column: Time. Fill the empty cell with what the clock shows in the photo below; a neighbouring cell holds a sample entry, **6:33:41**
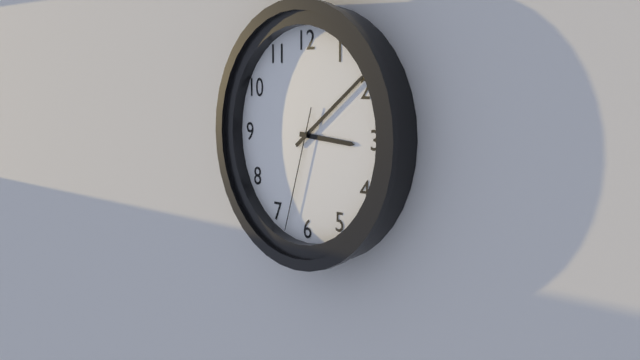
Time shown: **3:09:33**
